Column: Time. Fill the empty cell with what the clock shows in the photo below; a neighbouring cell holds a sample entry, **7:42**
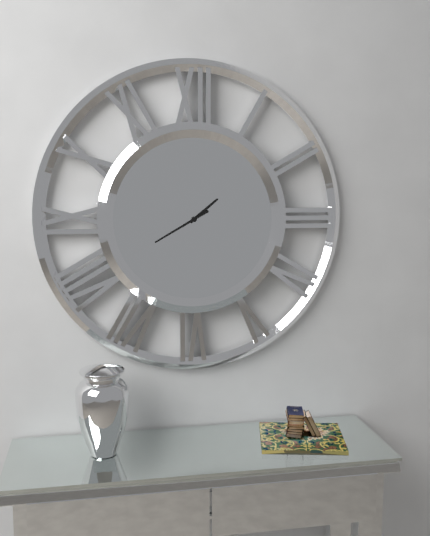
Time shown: **1:40**
